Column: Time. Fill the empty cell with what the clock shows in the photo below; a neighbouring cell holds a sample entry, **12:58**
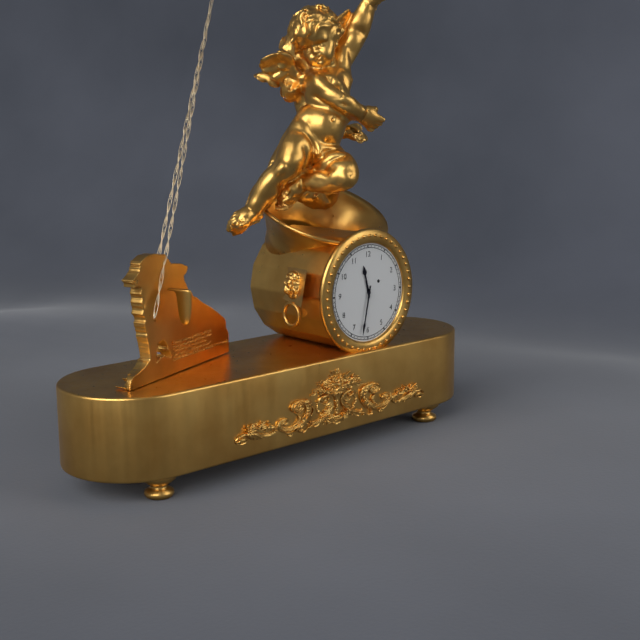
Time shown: **11:32**
